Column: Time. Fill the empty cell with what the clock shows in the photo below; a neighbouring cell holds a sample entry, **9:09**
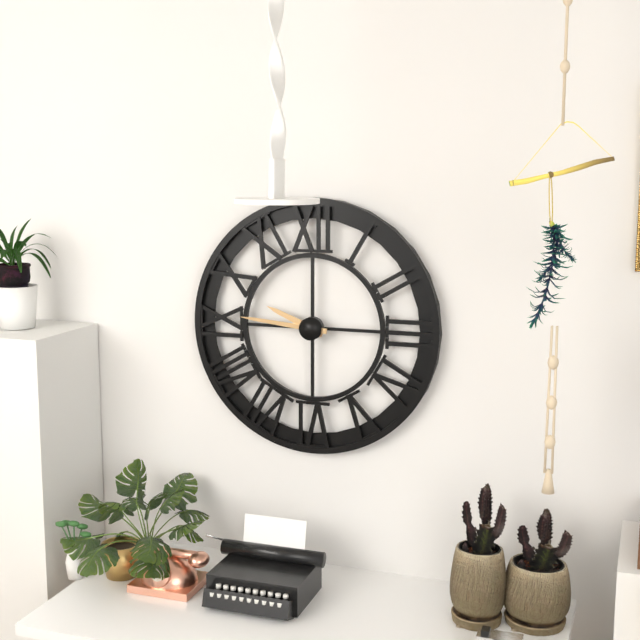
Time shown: **9:46**
